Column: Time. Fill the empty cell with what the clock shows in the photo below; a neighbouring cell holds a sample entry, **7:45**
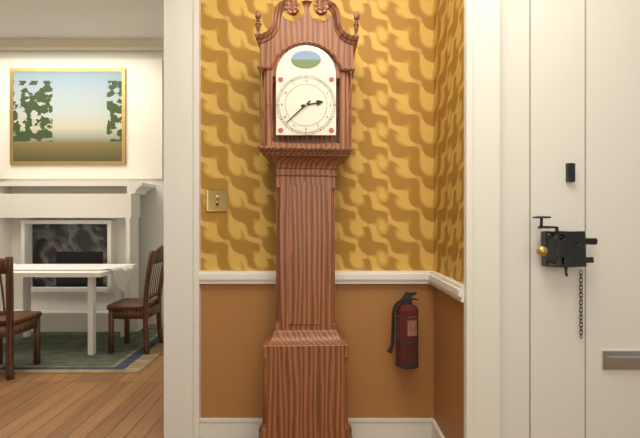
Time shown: **2:38**
